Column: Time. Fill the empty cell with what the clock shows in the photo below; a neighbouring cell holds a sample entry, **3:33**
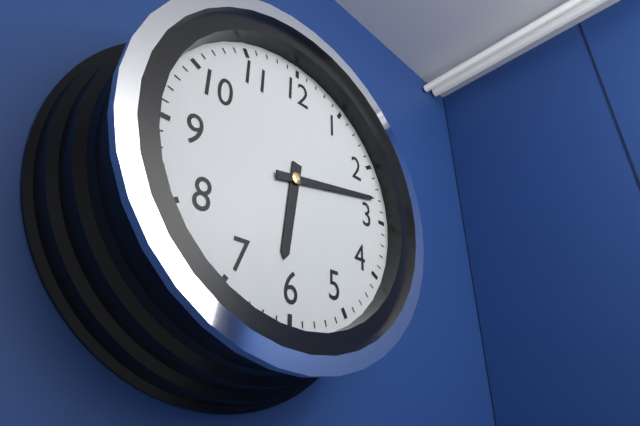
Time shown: **6:13**
